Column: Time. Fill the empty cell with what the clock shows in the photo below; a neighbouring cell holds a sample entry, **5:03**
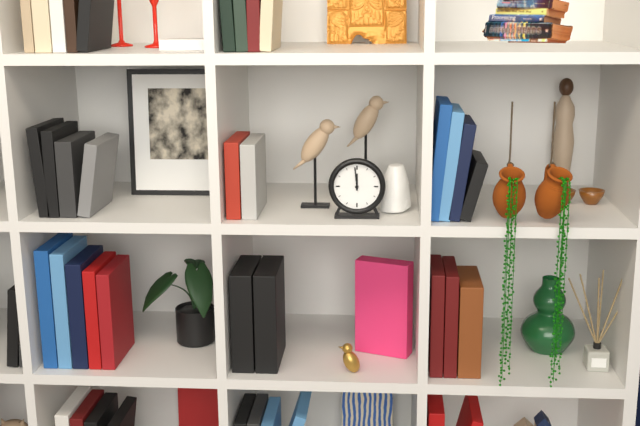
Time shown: **11:59**
